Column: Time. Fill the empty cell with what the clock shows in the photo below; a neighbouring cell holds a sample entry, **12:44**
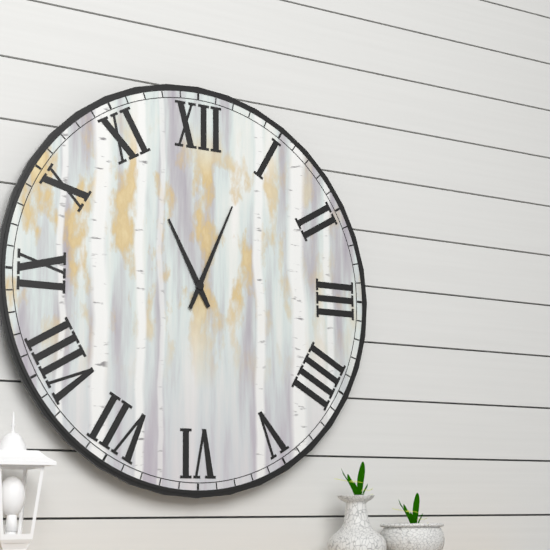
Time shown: **11:04**
